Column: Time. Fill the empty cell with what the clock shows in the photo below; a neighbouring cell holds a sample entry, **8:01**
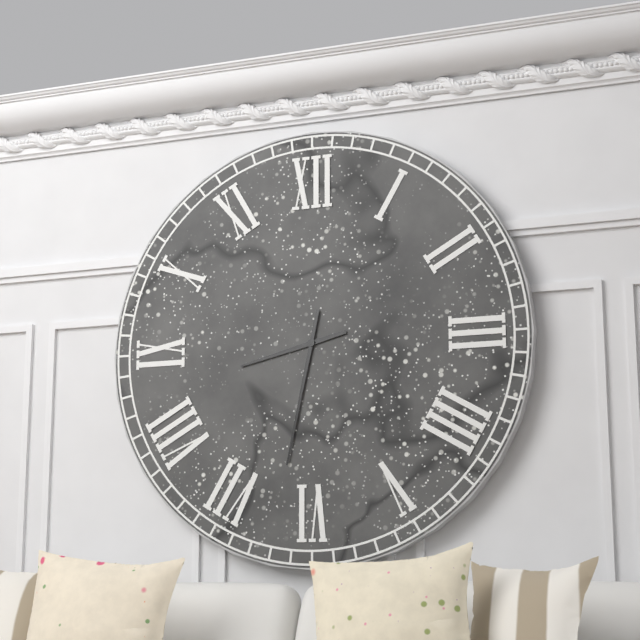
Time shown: **8:32**
